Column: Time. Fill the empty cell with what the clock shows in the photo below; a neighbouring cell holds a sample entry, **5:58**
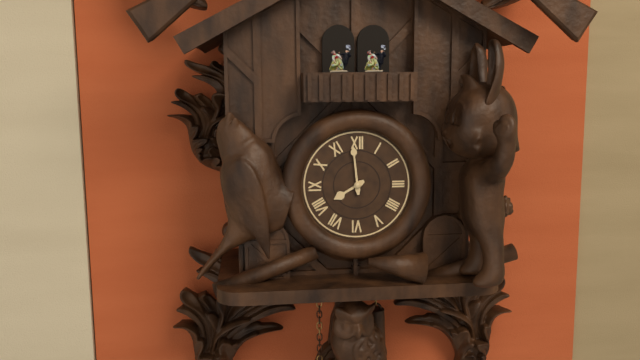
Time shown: **7:59**
